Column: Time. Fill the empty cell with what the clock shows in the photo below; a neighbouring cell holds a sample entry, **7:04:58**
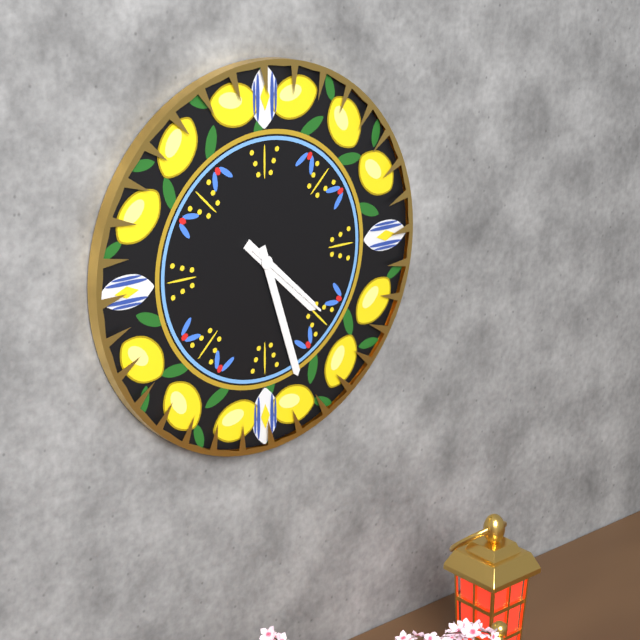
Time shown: **4:27:22**
